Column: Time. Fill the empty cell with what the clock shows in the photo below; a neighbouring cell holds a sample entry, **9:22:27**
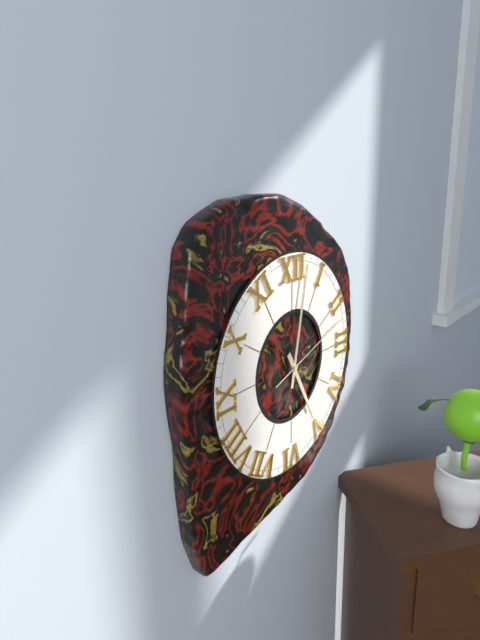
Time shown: **5:02:12**
